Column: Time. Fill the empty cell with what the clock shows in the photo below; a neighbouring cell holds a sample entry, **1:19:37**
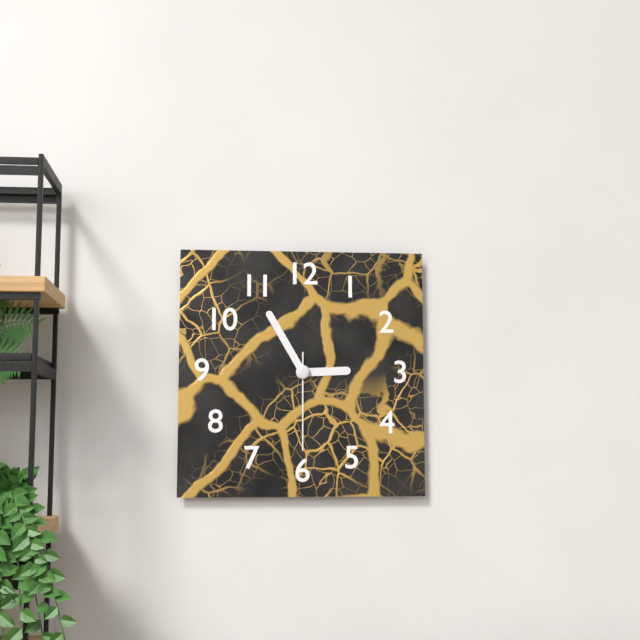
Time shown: **2:55:30**
